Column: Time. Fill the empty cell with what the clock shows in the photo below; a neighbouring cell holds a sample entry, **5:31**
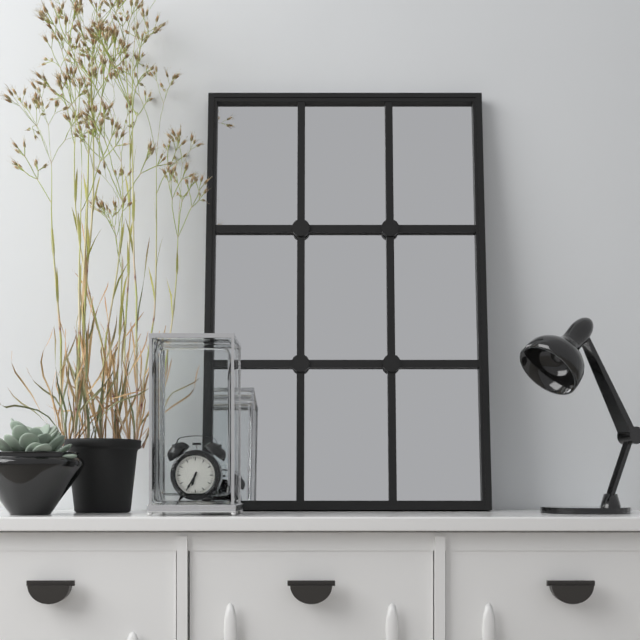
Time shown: **6:35**
